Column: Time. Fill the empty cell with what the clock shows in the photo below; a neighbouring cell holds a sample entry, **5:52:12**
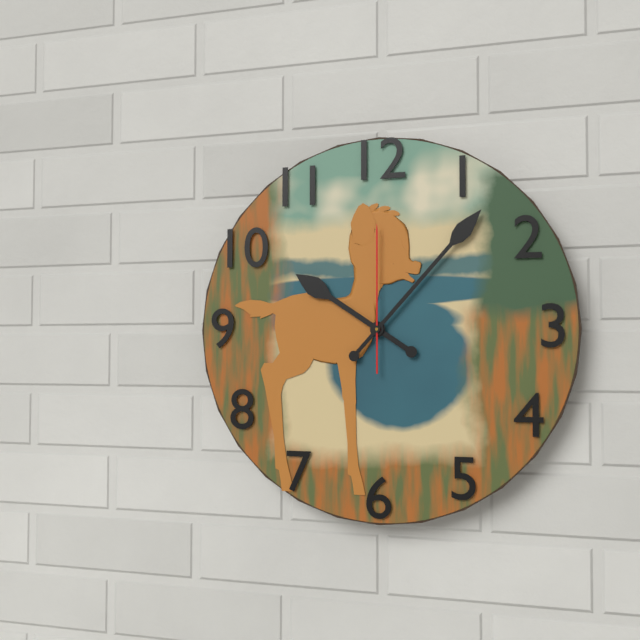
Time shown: **10:07:00**
